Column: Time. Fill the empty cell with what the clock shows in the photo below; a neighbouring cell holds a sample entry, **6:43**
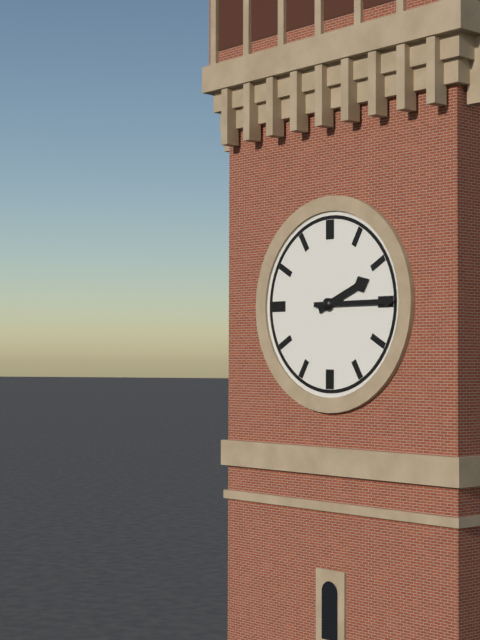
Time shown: **2:15**
